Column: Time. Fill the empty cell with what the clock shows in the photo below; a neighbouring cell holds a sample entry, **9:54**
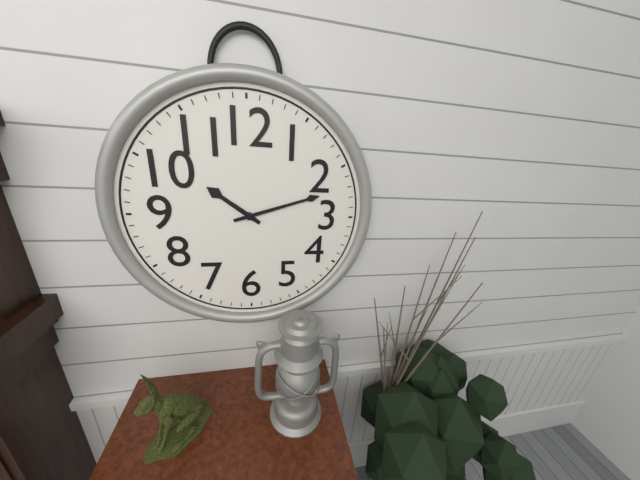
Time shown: **10:12**
